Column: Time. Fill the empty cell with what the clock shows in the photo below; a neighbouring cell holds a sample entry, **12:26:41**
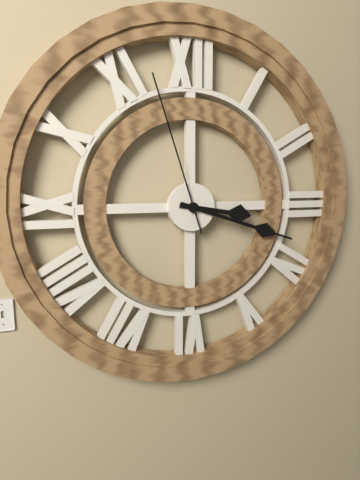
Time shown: **3:18:57**
